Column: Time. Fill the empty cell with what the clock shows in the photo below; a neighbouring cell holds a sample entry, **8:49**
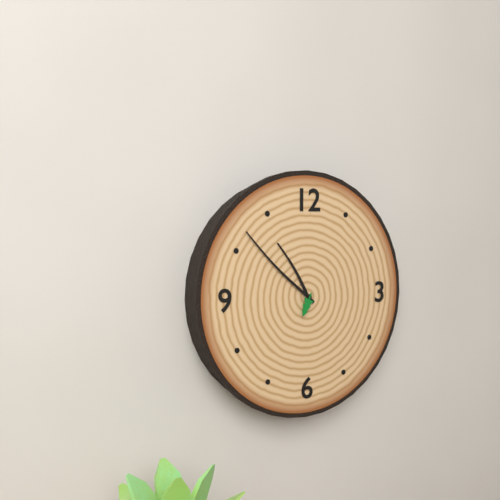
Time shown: **10:52**
